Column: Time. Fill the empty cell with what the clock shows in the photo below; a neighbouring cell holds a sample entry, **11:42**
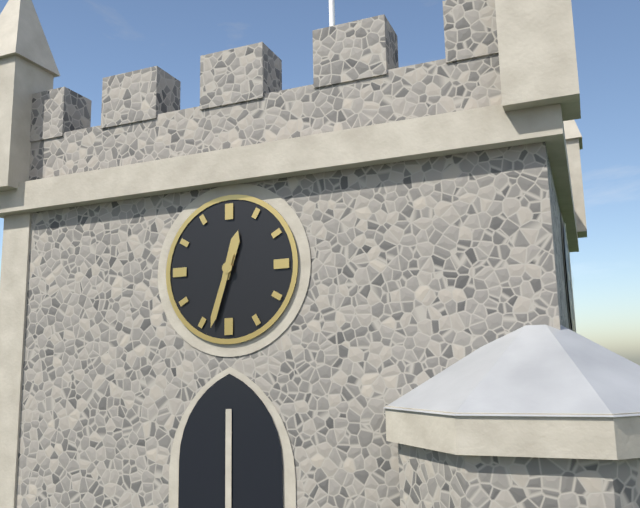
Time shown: **12:33**
